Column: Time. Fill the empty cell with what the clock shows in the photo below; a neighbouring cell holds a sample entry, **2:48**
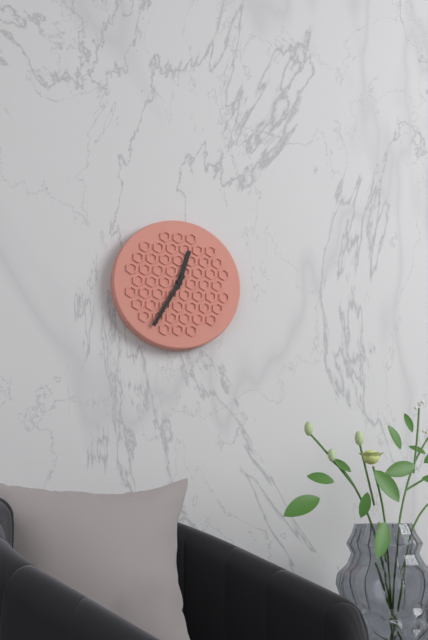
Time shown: **12:35**
